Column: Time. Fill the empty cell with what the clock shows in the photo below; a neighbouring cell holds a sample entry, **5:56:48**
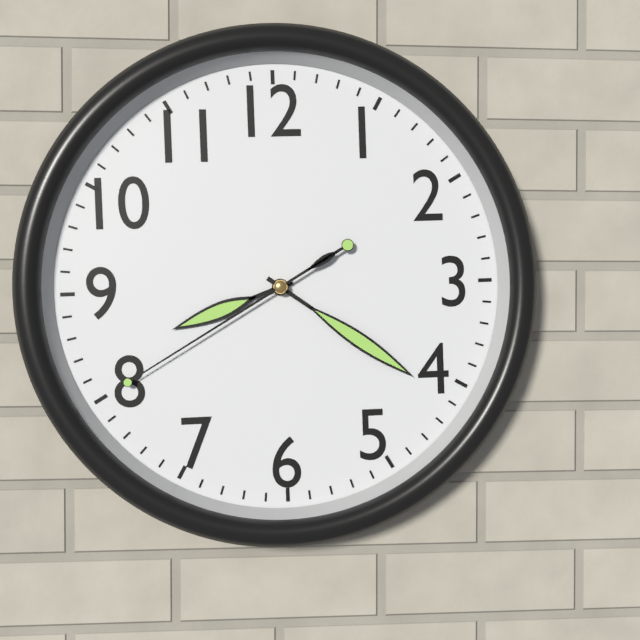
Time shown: **8:21:40**
